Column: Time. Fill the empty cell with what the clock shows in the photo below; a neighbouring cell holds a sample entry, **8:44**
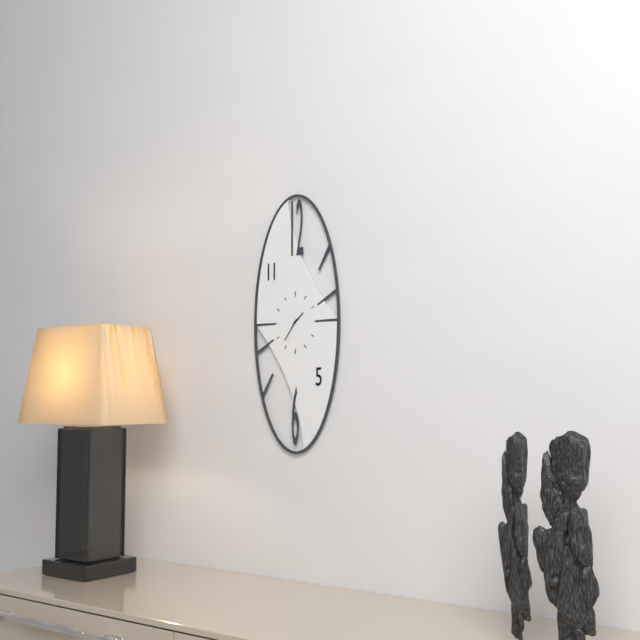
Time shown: **1:36**
